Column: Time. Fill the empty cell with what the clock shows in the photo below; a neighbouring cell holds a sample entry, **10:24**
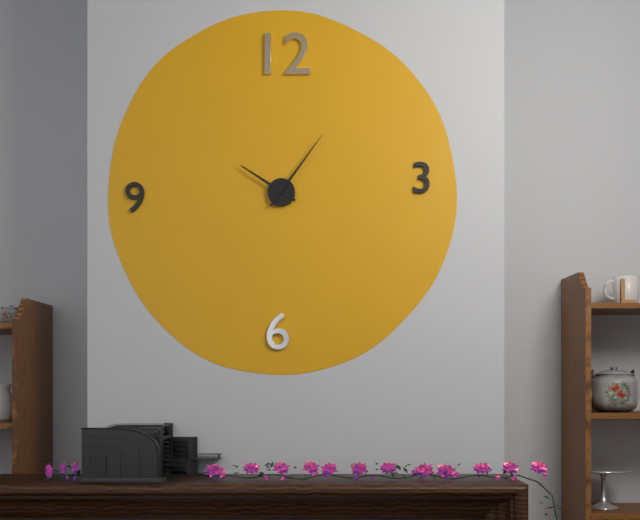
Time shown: **10:06**
